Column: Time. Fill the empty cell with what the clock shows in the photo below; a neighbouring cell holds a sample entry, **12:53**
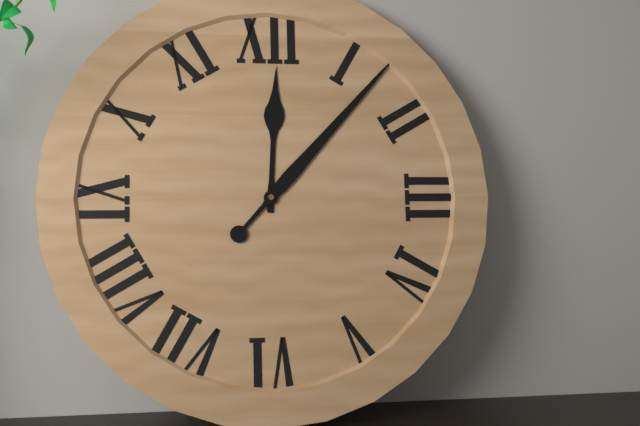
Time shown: **12:07**
